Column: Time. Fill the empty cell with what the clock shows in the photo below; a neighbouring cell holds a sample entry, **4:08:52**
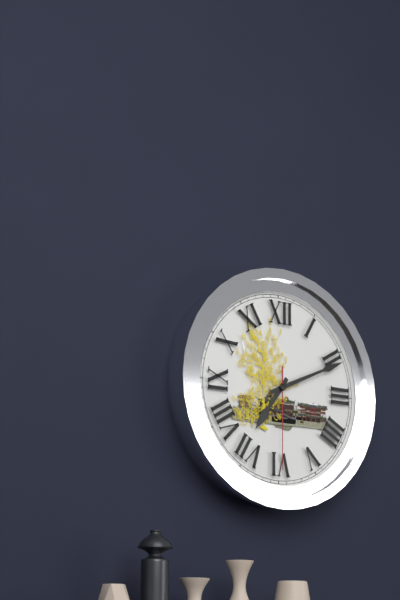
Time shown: **7:11:30**
